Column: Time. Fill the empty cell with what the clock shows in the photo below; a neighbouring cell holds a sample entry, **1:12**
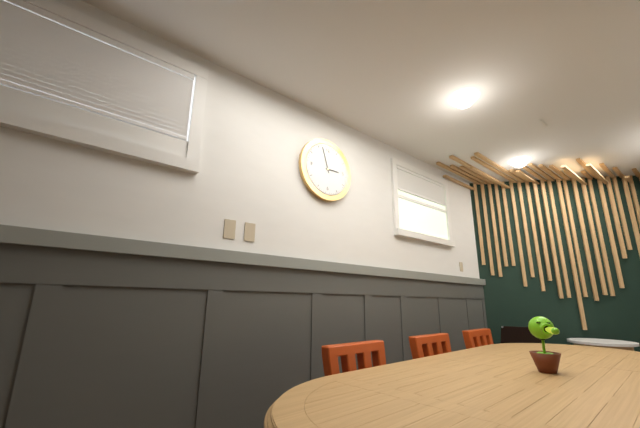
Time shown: **2:57**
